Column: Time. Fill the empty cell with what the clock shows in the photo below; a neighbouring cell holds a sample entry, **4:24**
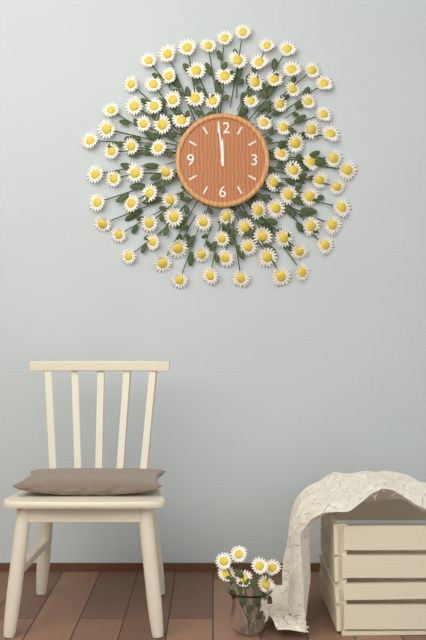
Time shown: **11:59**
